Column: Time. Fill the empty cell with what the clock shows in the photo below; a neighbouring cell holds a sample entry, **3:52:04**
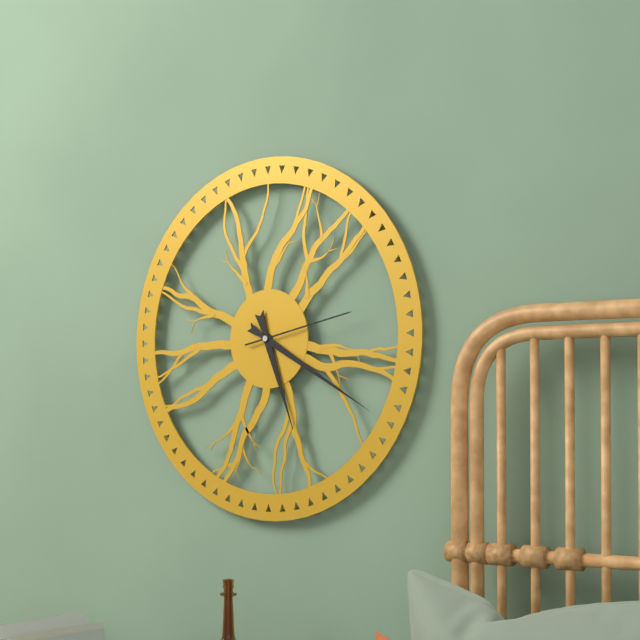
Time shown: **5:20:13**
